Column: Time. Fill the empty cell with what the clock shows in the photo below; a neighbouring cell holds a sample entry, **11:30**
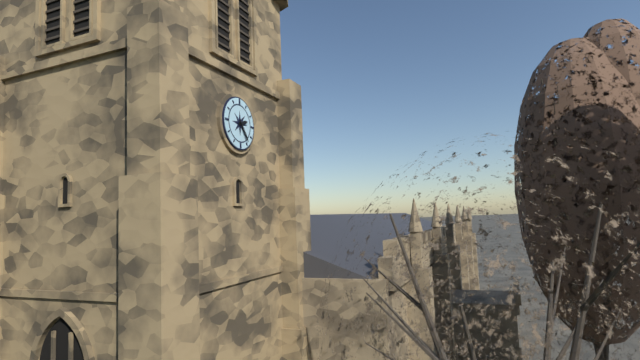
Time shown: **2:24**
